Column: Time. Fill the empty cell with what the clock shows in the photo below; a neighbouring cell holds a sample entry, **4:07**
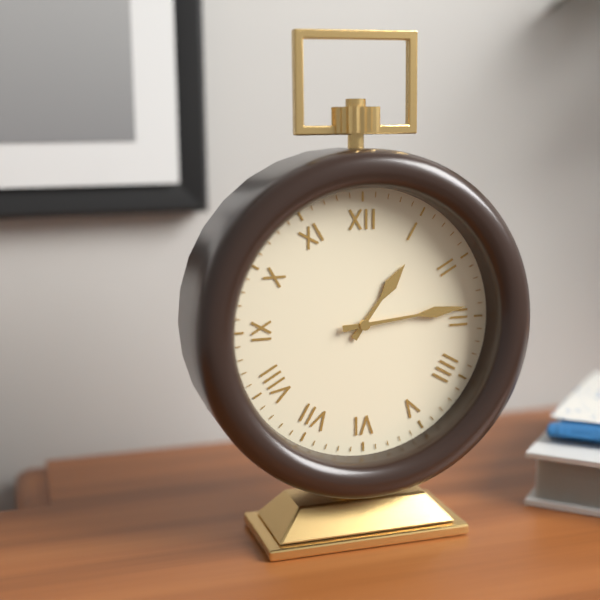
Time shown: **1:14**
